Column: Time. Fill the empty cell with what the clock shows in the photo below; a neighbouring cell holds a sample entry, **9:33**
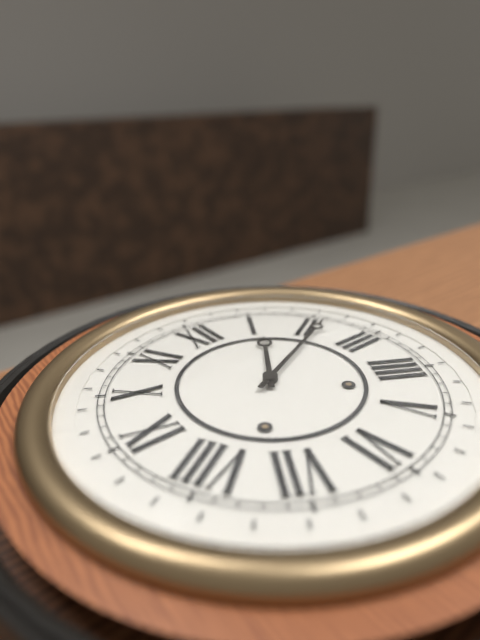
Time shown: **1:11**
